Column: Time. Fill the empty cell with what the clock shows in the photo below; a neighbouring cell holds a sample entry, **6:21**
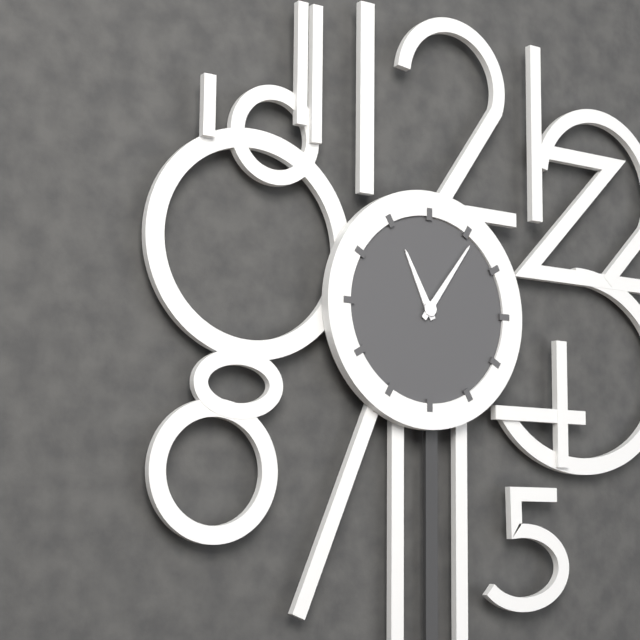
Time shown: **11:06**
